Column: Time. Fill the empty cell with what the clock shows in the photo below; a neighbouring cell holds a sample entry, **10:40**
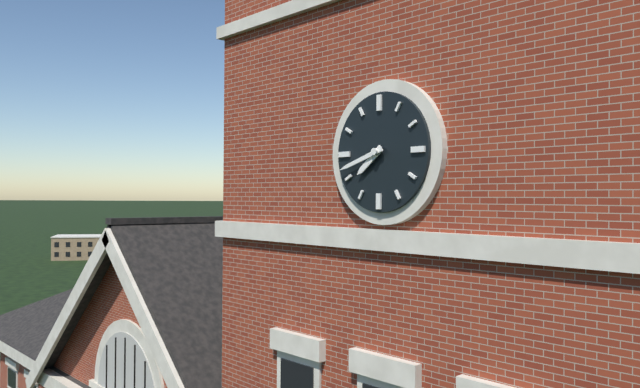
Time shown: **7:42**
